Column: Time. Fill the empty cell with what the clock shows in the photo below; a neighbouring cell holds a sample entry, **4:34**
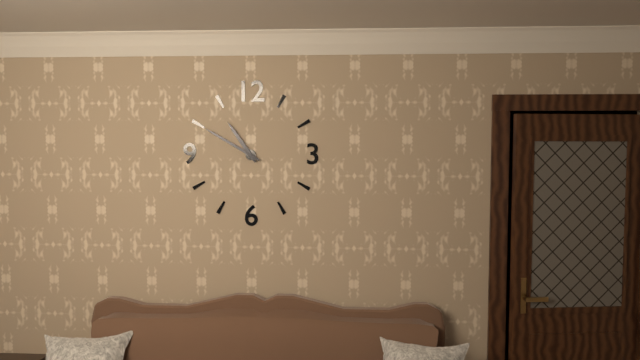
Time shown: **10:50**
